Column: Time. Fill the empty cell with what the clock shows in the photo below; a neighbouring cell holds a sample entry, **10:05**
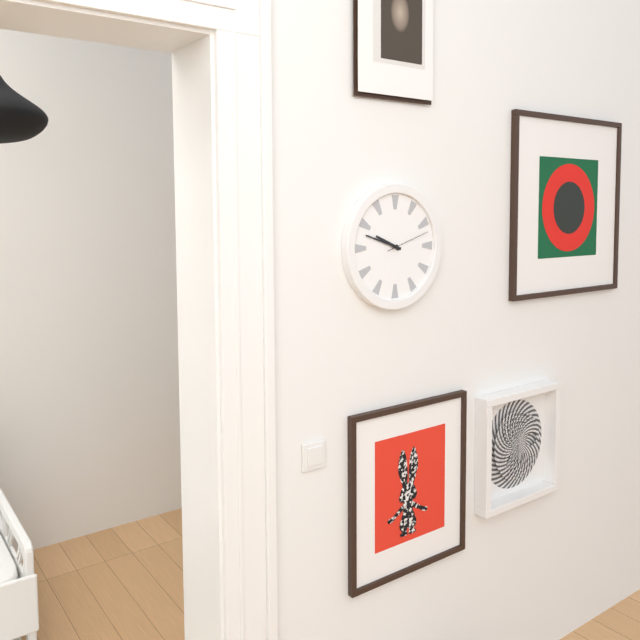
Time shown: **9:48**
